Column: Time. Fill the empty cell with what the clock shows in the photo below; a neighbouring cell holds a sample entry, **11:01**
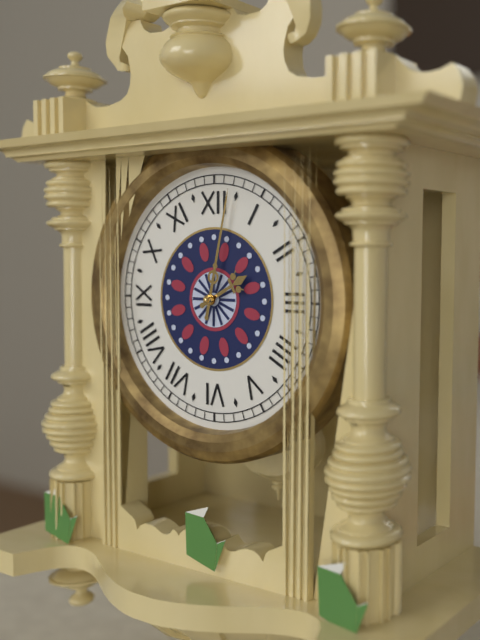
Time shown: **2:02**
